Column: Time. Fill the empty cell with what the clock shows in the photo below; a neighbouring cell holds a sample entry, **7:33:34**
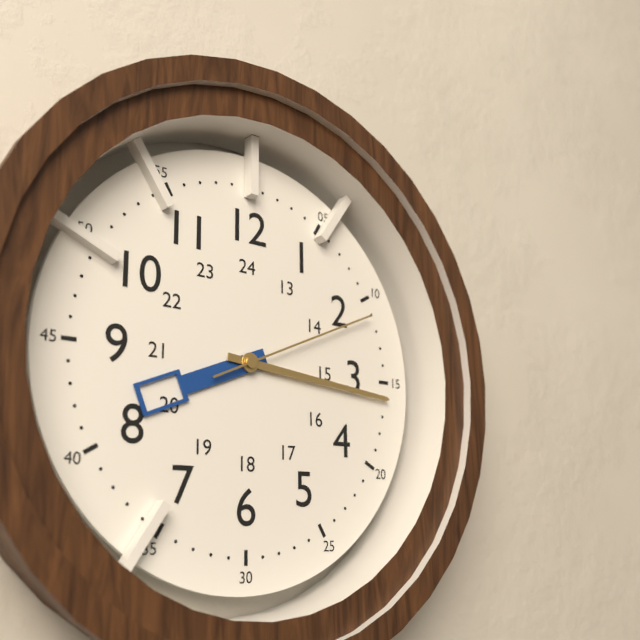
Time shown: **8:16:11**
